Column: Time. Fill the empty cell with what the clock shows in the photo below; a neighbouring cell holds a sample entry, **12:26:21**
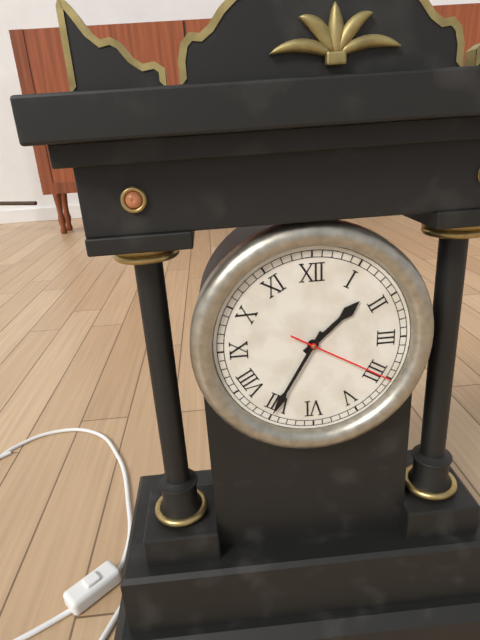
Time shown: **1:35:20**
